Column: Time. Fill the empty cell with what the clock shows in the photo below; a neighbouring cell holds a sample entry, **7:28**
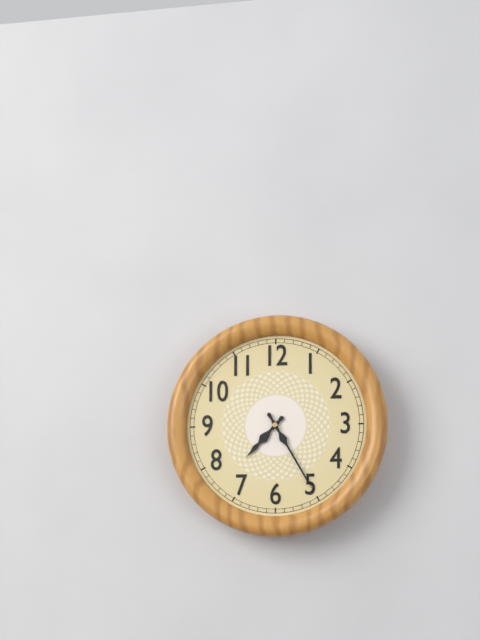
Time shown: **7:25**
